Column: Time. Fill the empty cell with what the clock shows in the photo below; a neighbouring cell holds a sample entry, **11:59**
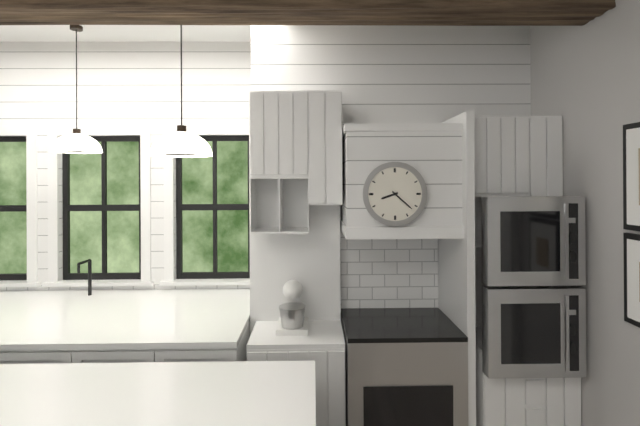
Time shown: **8:22**
